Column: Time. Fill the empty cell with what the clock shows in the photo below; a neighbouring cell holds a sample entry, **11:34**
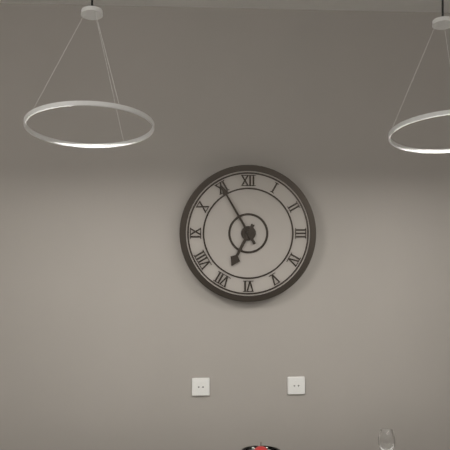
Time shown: **6:55**
